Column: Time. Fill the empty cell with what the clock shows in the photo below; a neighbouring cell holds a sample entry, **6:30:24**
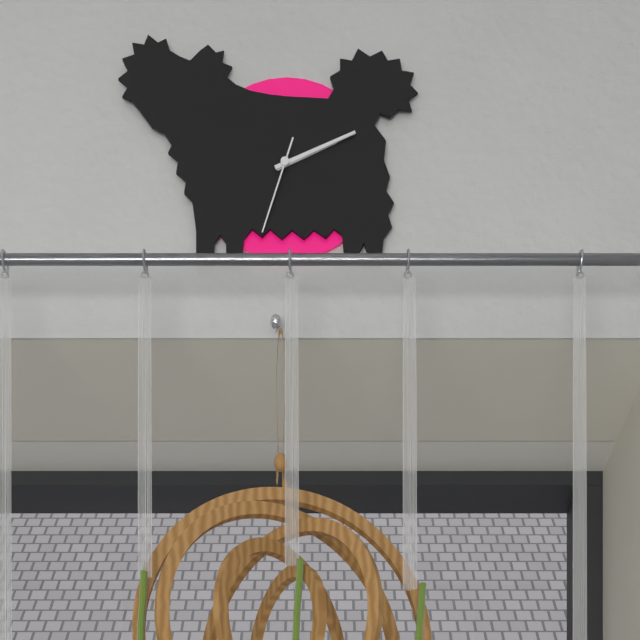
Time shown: **2:11:33**
